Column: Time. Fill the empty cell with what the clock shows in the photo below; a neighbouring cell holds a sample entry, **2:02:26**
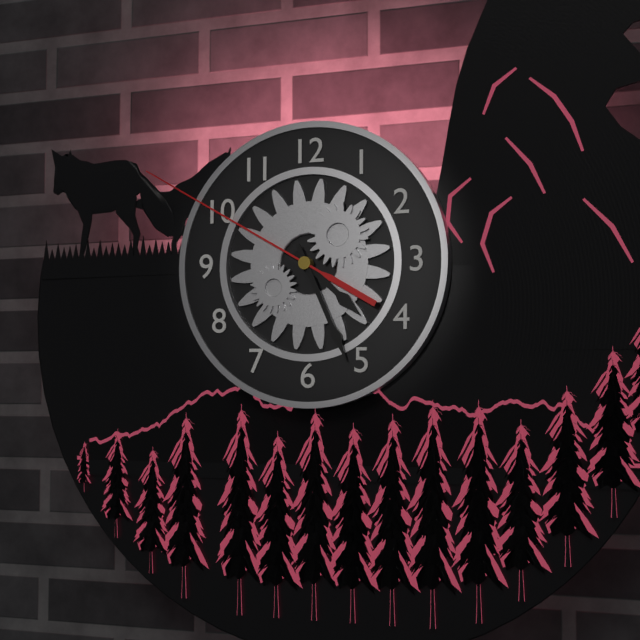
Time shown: **4:26:50**
